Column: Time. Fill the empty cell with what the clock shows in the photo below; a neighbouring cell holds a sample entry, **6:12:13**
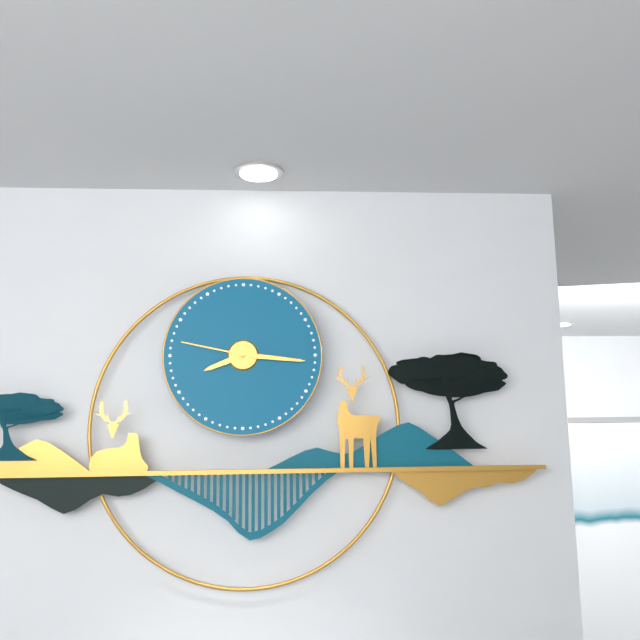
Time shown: **8:16:47**
